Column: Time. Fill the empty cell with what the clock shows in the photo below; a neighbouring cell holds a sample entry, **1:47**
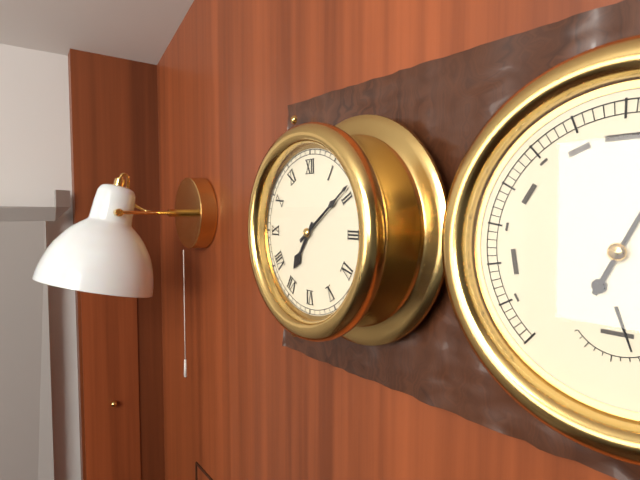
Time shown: **7:09**
